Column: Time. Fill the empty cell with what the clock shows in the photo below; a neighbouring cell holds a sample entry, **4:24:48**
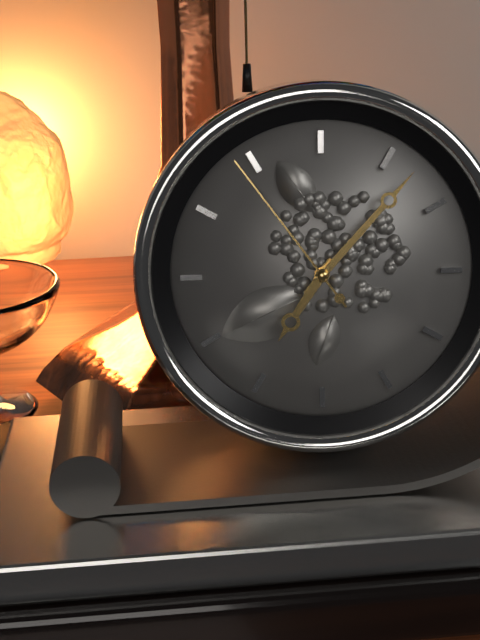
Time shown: **7:07:54**
